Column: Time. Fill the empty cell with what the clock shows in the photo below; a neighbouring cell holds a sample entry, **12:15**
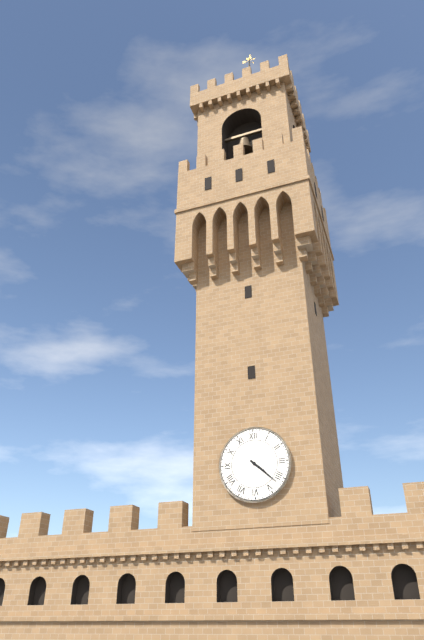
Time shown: **4:22**
